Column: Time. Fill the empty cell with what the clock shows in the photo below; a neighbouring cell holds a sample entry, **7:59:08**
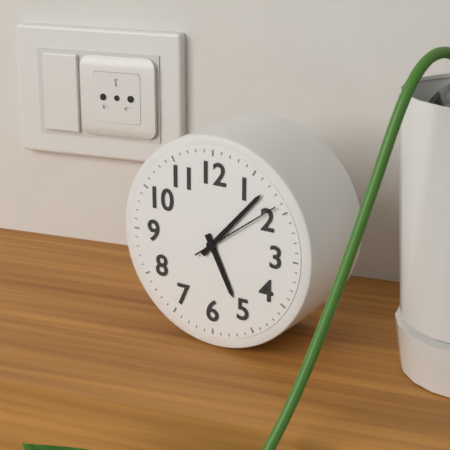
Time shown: **5:07:09**
